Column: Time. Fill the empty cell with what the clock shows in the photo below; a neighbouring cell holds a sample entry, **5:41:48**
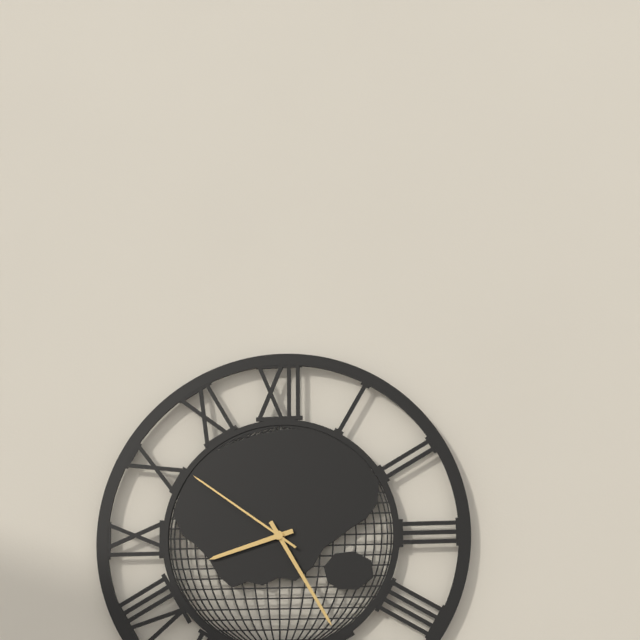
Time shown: **8:25:51**
